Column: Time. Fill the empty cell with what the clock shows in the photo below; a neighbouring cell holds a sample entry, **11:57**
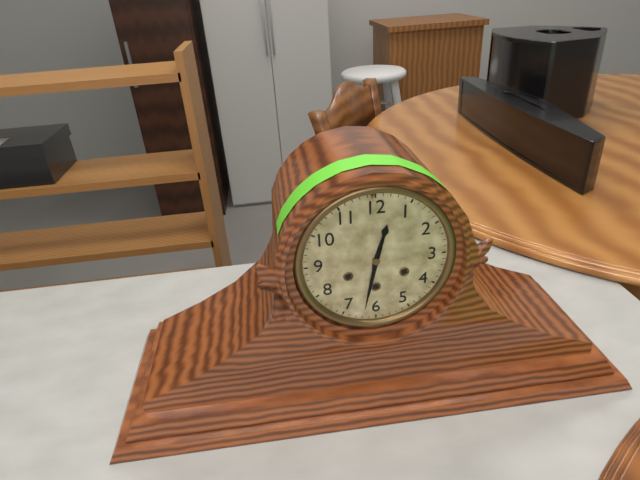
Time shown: **12:32**
